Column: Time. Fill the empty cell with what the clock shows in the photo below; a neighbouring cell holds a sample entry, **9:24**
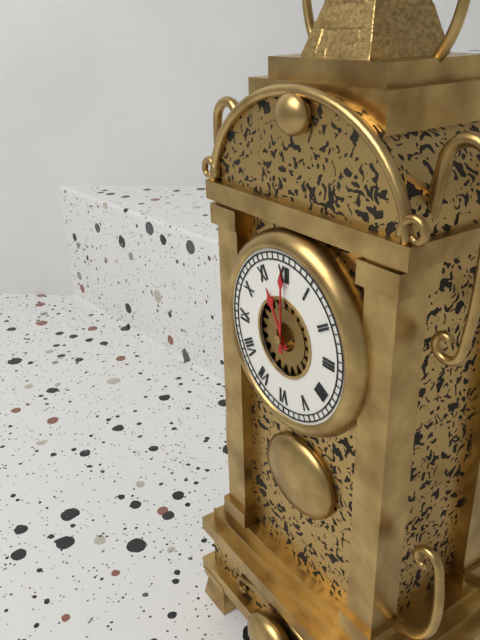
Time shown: **11:00**
